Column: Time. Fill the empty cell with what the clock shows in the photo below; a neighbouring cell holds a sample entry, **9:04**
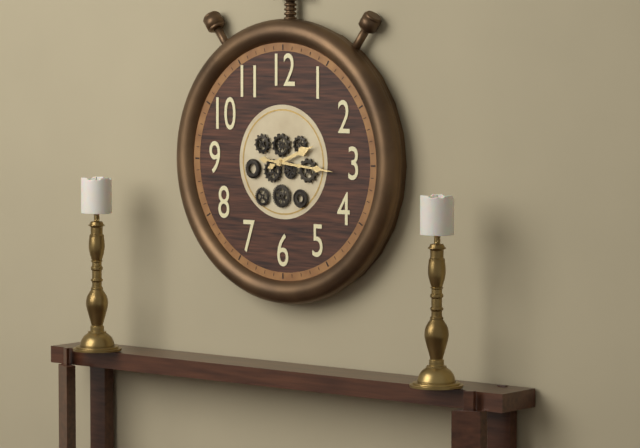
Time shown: **2:16**
